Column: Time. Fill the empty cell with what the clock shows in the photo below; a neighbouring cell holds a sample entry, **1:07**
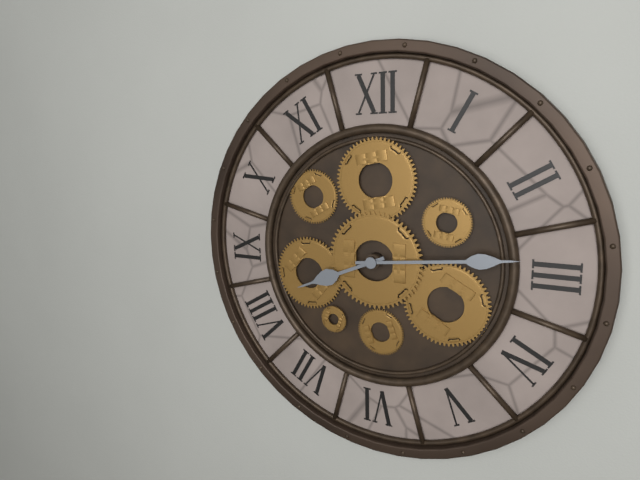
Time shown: **8:14**
